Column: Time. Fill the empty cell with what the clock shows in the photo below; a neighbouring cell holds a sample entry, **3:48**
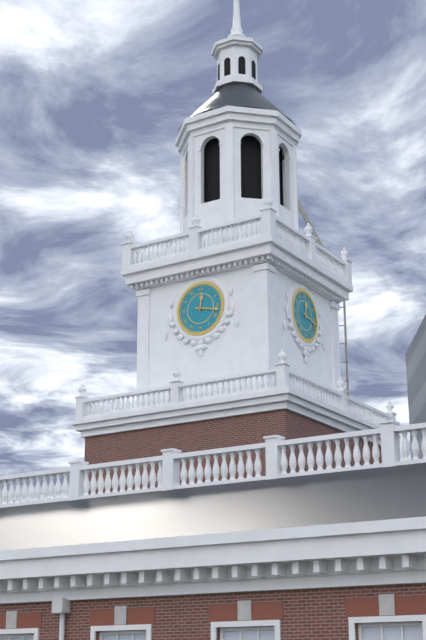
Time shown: **12:17**
